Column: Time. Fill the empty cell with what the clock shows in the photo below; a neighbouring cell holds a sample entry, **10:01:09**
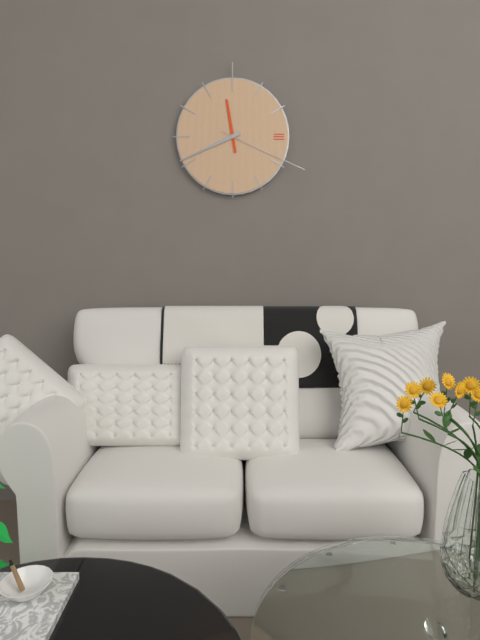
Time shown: **11:41:19**
